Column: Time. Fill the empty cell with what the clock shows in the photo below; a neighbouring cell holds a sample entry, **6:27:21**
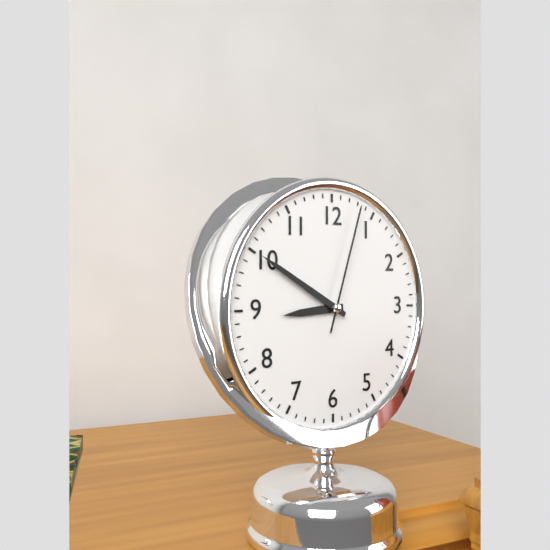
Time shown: **8:50:03**
